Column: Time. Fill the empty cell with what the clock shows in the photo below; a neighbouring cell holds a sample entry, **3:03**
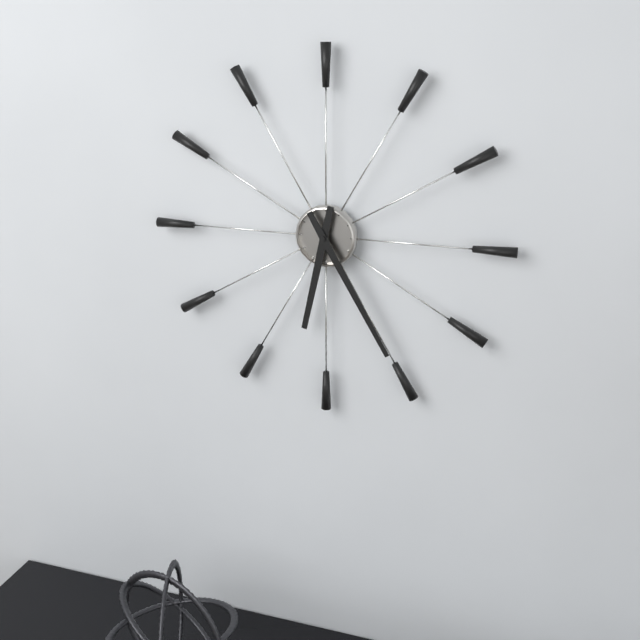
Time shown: **6:25**
